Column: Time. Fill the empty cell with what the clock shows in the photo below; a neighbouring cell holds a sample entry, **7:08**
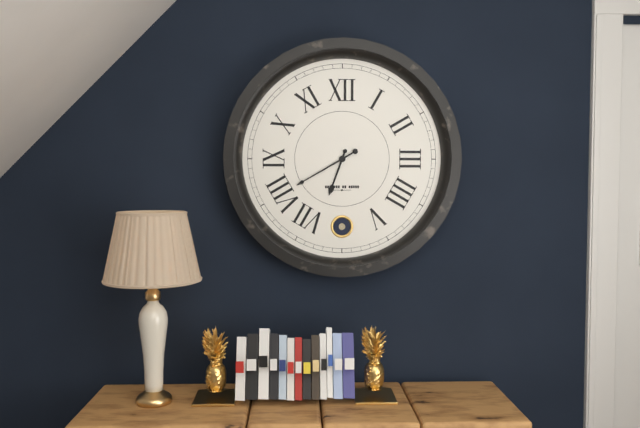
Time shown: **6:40**
